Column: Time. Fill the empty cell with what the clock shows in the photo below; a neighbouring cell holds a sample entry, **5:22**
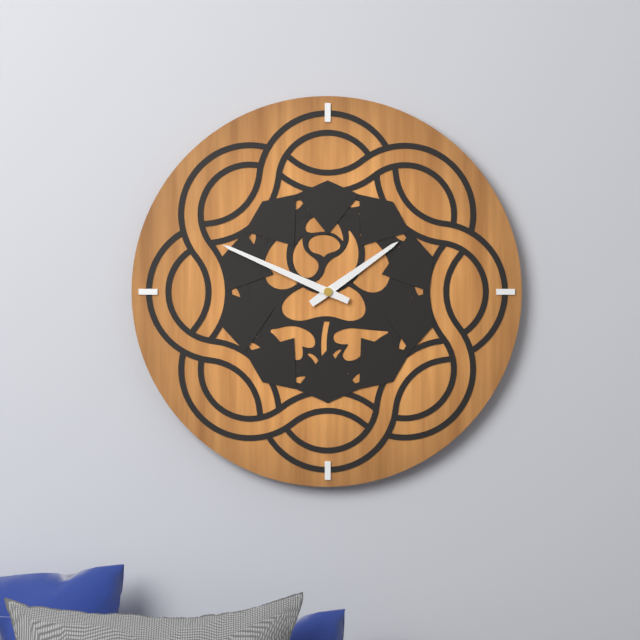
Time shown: **1:49**
